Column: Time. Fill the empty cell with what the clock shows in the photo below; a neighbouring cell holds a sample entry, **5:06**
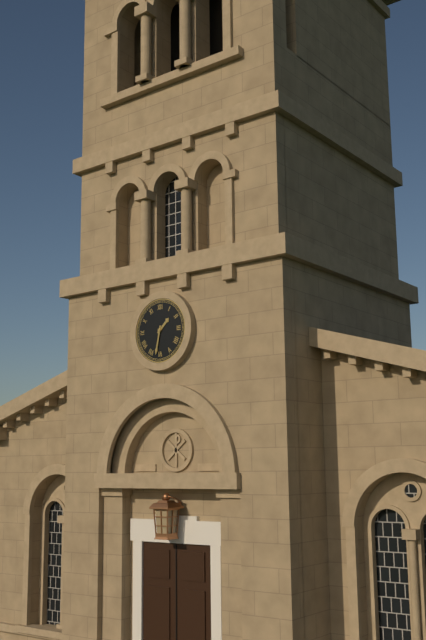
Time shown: **1:32**
